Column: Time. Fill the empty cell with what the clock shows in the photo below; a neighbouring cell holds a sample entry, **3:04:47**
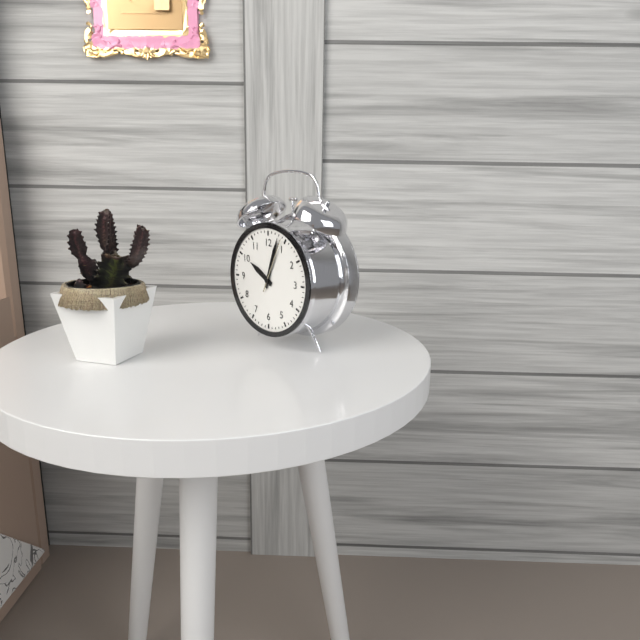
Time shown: **10:03:04**
